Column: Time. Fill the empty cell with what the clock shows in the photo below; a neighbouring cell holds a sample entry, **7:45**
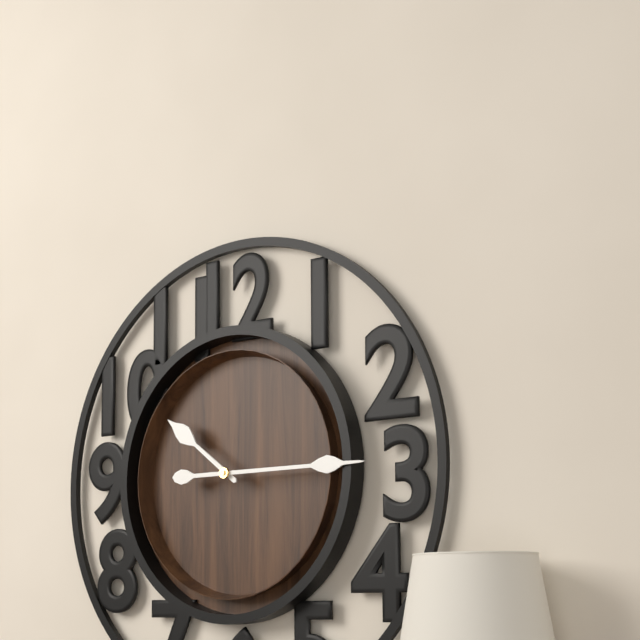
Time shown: **10:15**
